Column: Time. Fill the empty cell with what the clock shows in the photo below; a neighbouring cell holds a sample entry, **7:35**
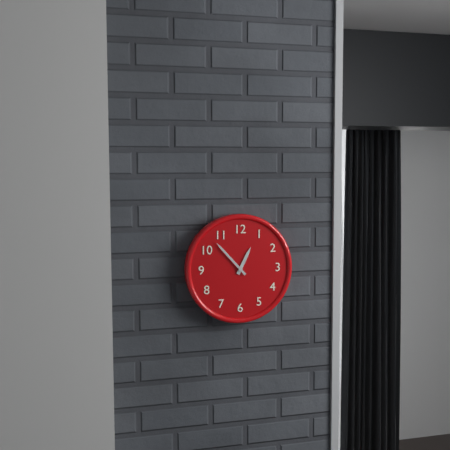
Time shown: **12:53**
